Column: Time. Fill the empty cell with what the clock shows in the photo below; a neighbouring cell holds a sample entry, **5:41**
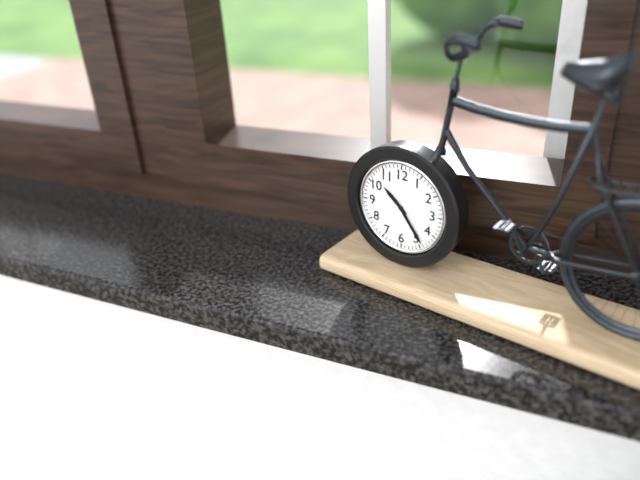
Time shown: **10:24**
